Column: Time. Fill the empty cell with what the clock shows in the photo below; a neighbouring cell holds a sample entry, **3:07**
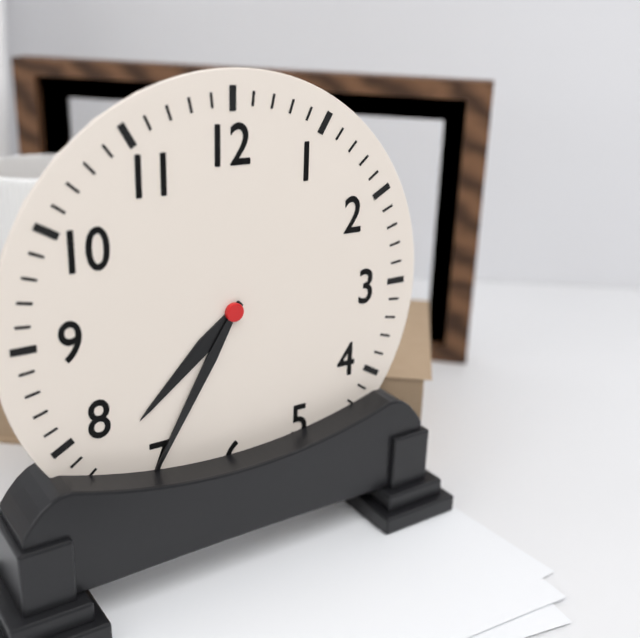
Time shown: **7:35**
